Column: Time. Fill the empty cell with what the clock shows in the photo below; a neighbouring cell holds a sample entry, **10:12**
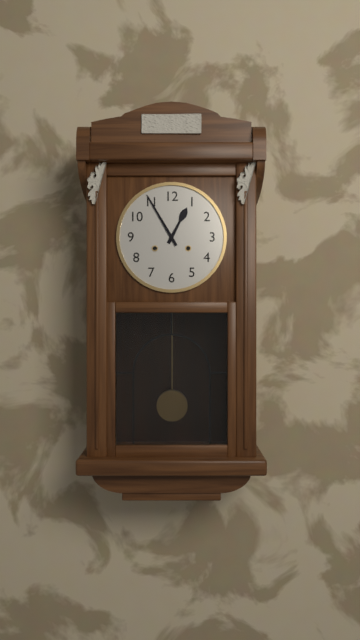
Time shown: **12:55**
